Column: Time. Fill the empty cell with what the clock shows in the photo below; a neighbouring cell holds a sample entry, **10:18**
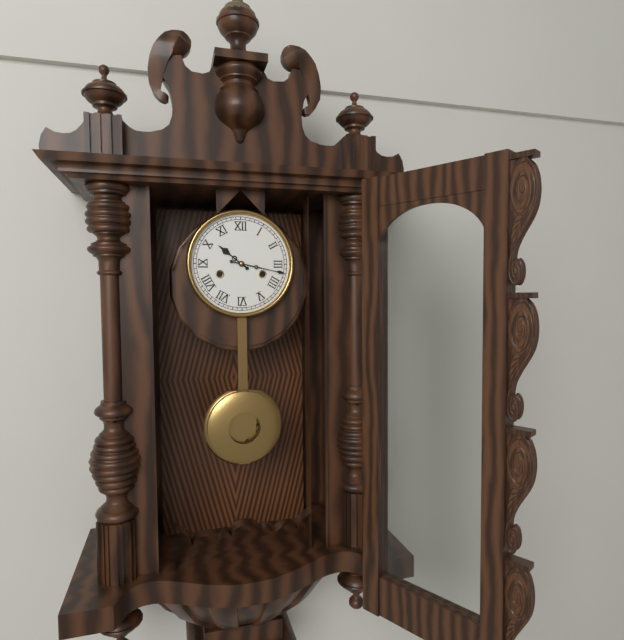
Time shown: **10:17**
